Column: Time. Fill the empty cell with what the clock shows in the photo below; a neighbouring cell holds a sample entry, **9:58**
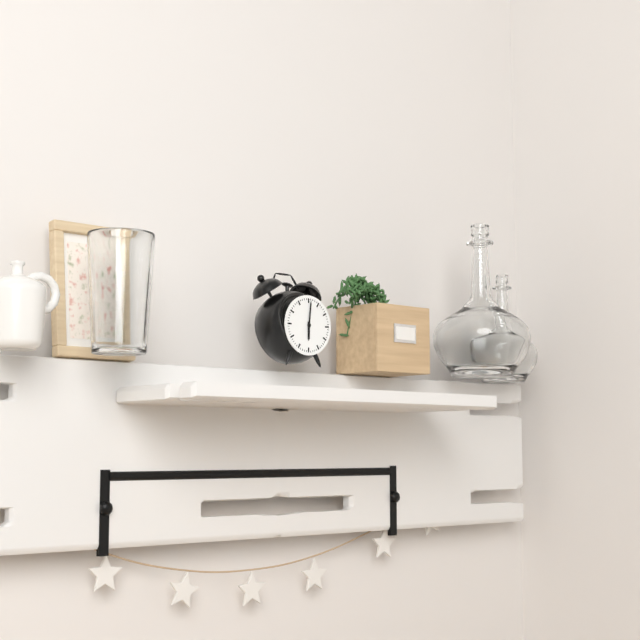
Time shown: **6:01**
